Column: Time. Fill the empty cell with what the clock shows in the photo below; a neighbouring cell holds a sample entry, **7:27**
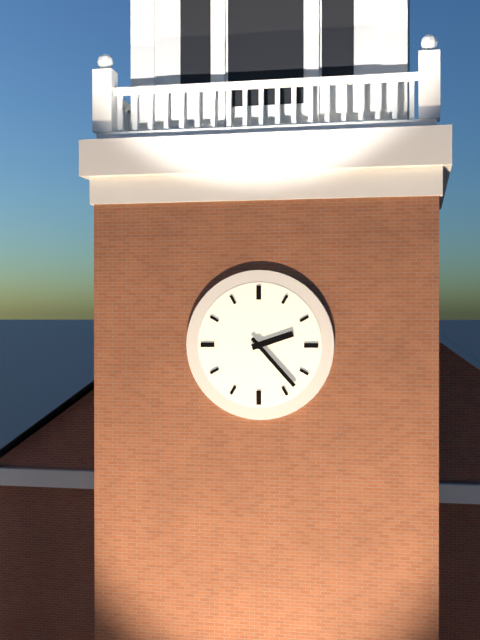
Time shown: **2:23**
